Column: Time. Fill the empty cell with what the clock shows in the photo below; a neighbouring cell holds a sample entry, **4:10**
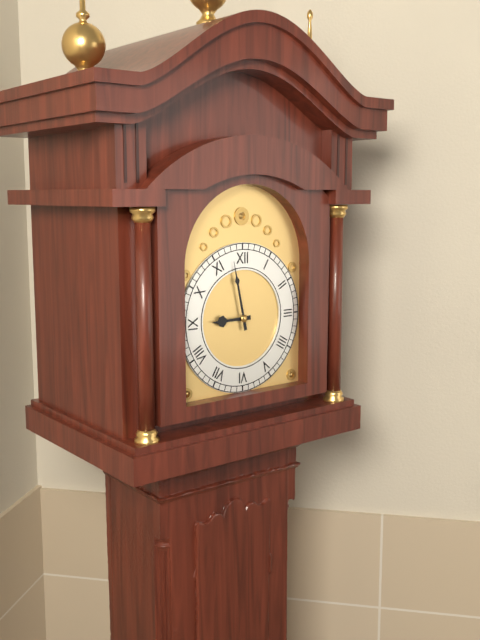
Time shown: **8:58**
